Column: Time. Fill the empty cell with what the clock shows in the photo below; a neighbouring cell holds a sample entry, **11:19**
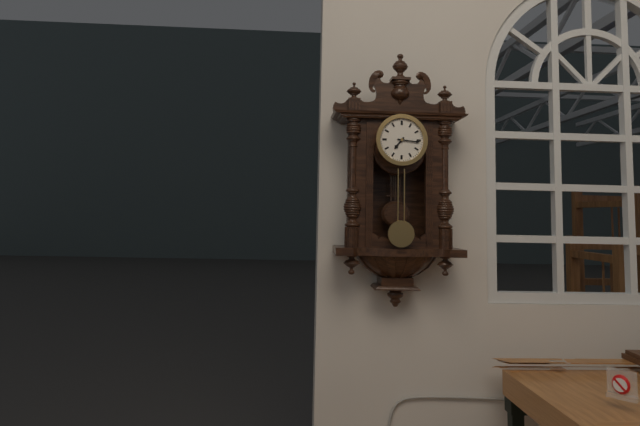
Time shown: **7:16**
